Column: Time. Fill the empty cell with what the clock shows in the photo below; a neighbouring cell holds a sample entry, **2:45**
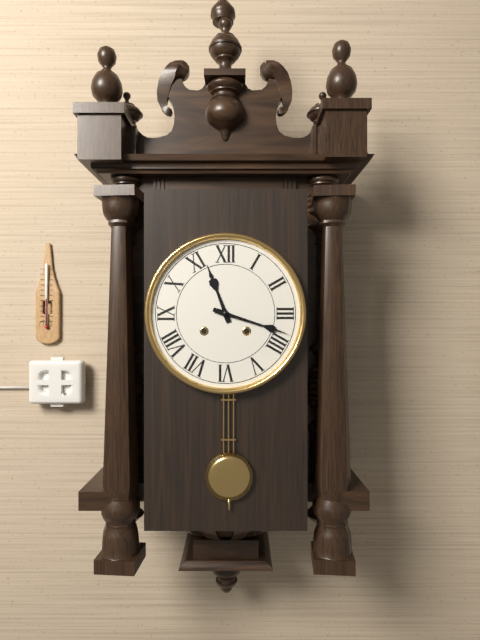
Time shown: **11:18**
